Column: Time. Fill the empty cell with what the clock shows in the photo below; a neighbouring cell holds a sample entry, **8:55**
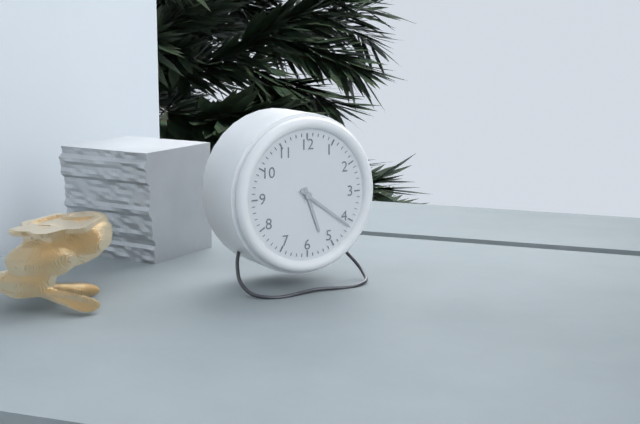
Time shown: **5:21**
